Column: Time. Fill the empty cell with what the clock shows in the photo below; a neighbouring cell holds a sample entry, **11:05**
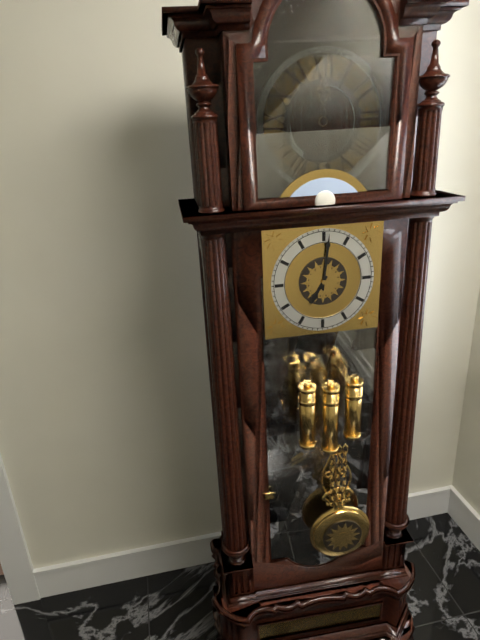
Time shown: **7:01**
